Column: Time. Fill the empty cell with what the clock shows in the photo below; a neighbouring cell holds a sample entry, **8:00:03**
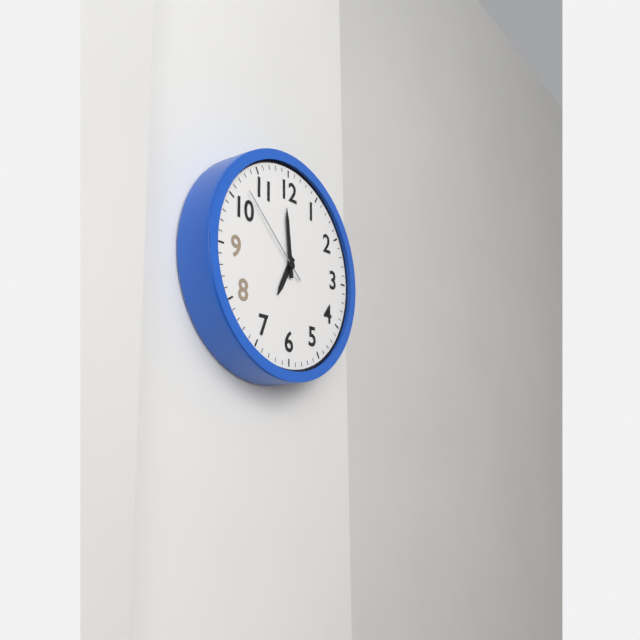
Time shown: **6:59:52**
